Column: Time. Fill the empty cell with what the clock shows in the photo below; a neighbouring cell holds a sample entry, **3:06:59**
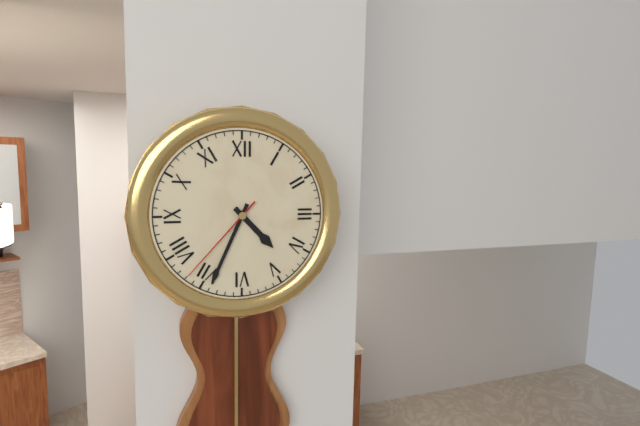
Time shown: **4:34:37**
